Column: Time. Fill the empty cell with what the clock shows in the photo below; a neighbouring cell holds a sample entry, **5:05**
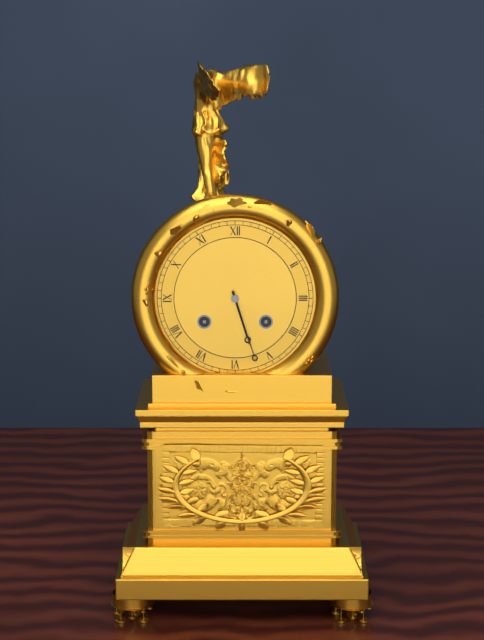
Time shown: **5:27**
